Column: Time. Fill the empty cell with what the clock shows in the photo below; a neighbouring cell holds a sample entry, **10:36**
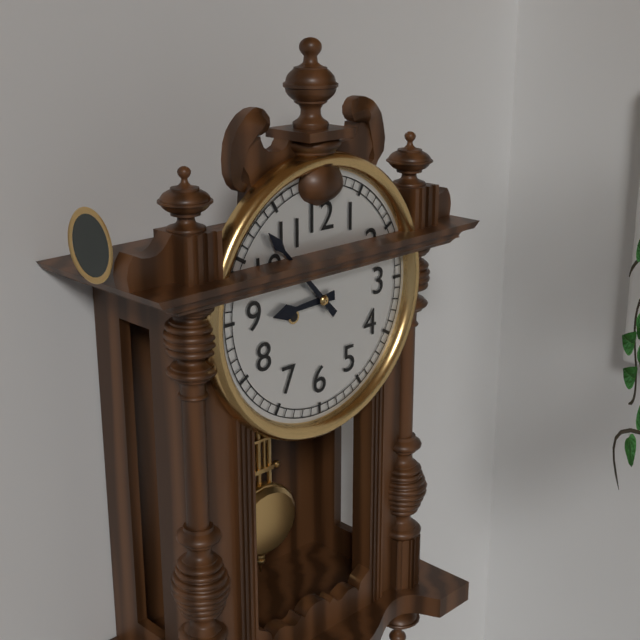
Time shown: **8:53**
